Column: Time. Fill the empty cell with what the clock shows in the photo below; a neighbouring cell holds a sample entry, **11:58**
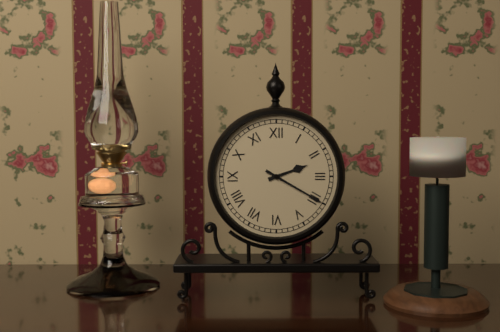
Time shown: **2:20**
